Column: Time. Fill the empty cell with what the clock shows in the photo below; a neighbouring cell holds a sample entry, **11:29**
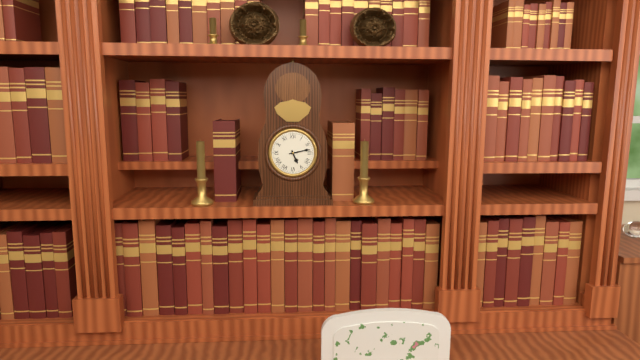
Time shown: **5:13**
